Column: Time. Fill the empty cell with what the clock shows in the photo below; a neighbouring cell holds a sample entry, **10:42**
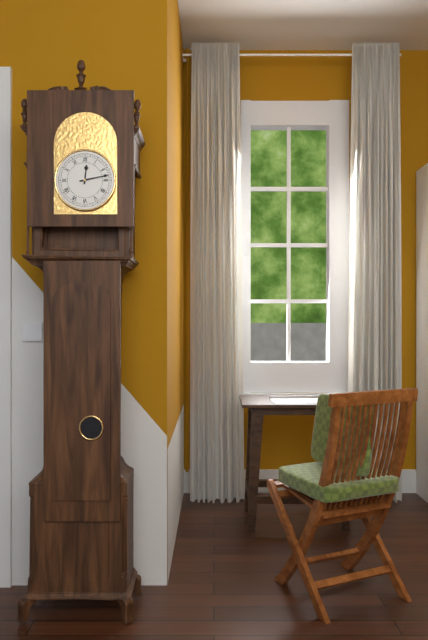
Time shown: **12:13**
